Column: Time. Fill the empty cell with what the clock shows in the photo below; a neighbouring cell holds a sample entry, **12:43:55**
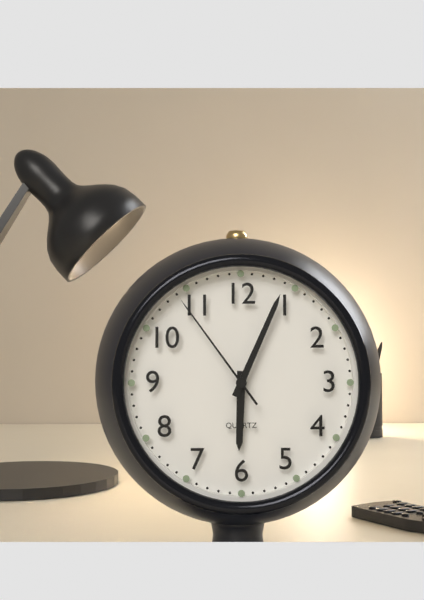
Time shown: **6:04:54**
